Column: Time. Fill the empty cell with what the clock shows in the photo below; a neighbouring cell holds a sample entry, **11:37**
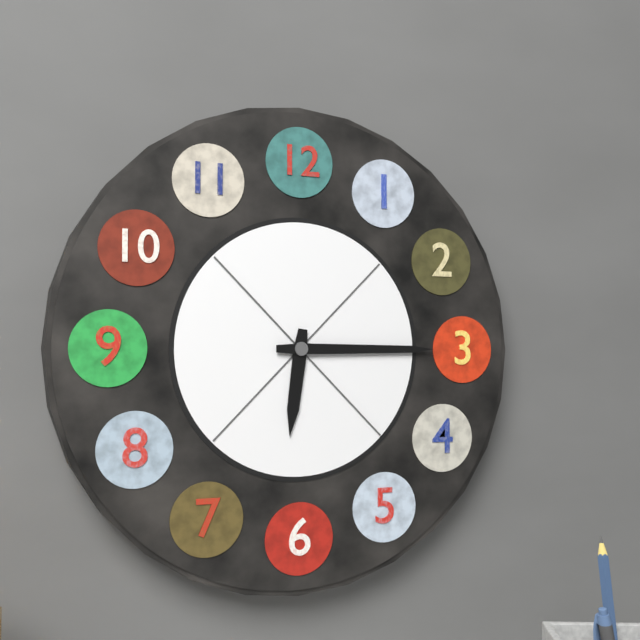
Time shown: **6:15**
